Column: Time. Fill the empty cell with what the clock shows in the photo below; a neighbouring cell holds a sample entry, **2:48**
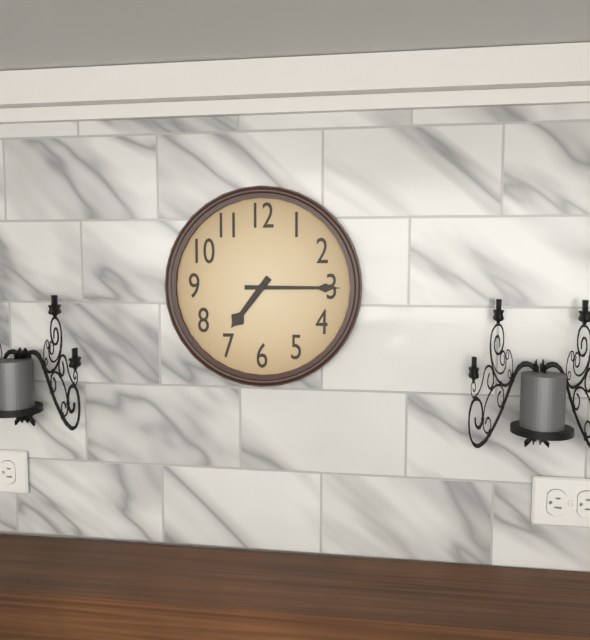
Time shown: **7:15**
